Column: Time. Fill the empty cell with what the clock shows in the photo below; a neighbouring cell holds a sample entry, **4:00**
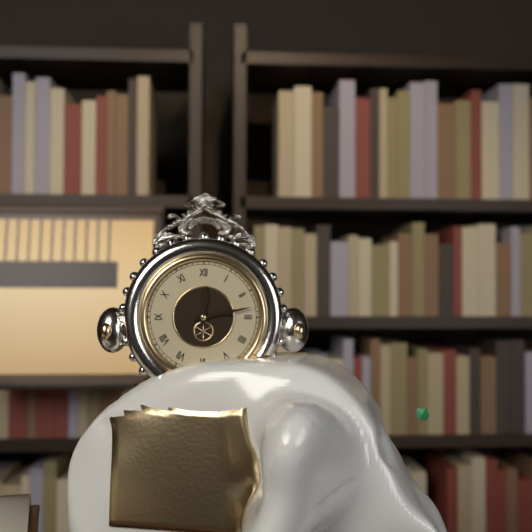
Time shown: **12:13**
